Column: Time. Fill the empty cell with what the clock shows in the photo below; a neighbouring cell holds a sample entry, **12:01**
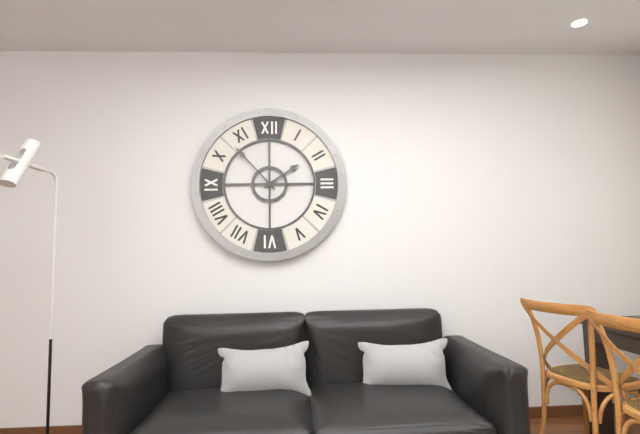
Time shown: **1:53**
